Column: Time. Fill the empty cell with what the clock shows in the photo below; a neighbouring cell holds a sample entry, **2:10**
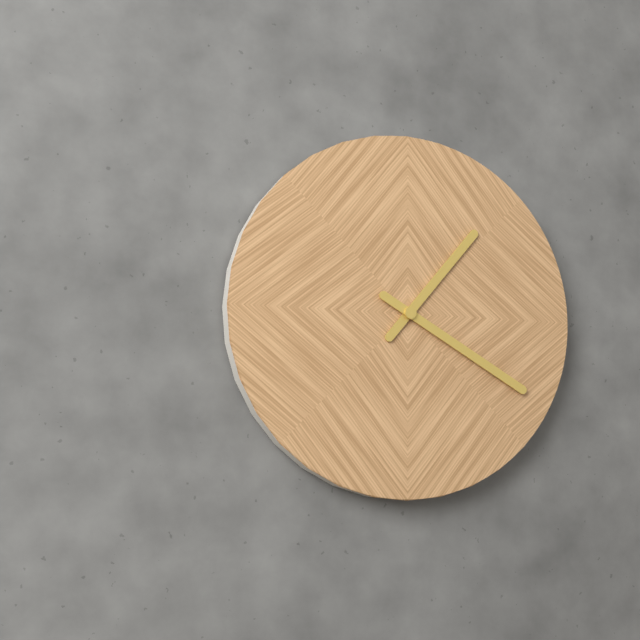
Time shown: **1:20**
